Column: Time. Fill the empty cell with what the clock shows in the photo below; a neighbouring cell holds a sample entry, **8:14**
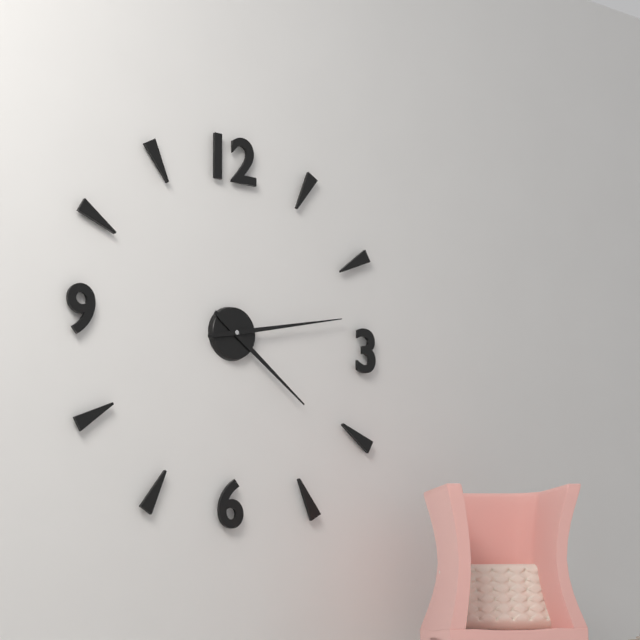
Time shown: **4:13**
